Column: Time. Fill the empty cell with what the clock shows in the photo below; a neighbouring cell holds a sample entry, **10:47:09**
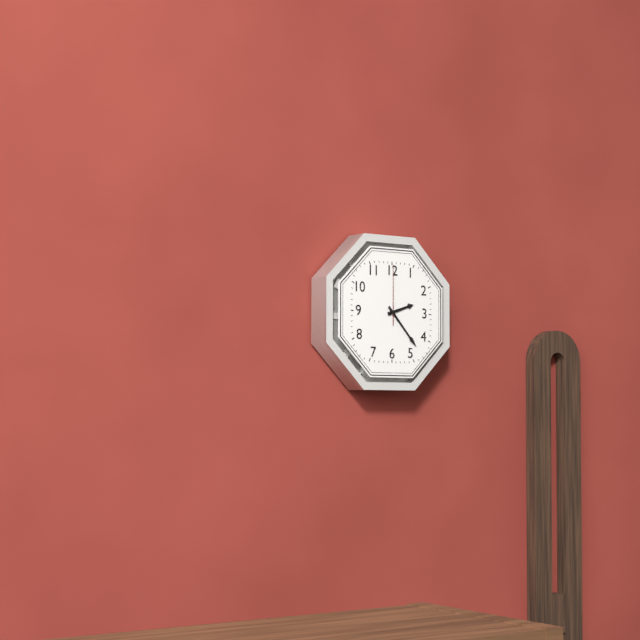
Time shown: **2:23:00**
